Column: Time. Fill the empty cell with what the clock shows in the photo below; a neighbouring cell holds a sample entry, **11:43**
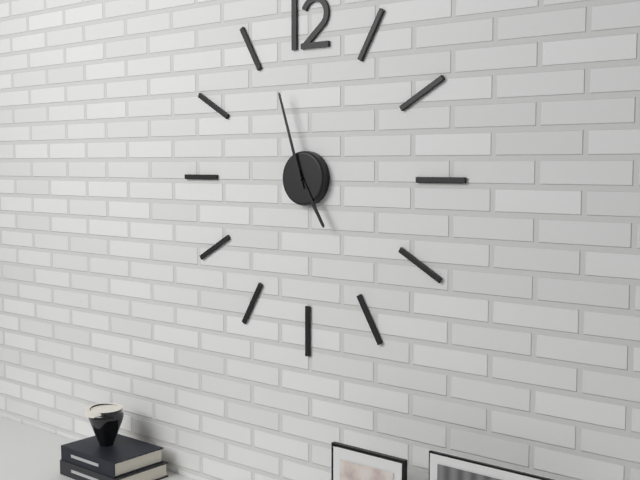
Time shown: **4:57**
